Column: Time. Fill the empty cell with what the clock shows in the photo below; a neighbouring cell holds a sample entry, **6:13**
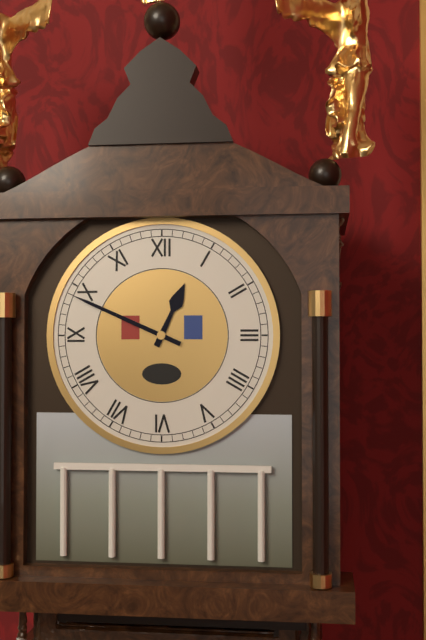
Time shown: **12:49**
